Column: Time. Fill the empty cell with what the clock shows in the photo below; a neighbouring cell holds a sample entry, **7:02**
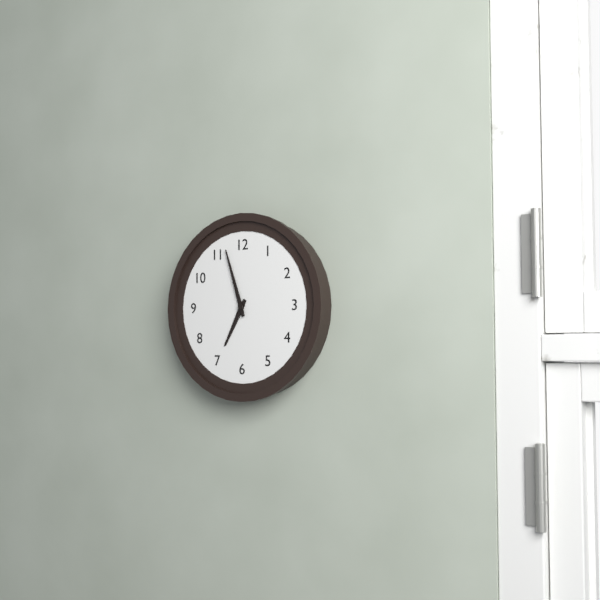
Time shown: **6:57**
